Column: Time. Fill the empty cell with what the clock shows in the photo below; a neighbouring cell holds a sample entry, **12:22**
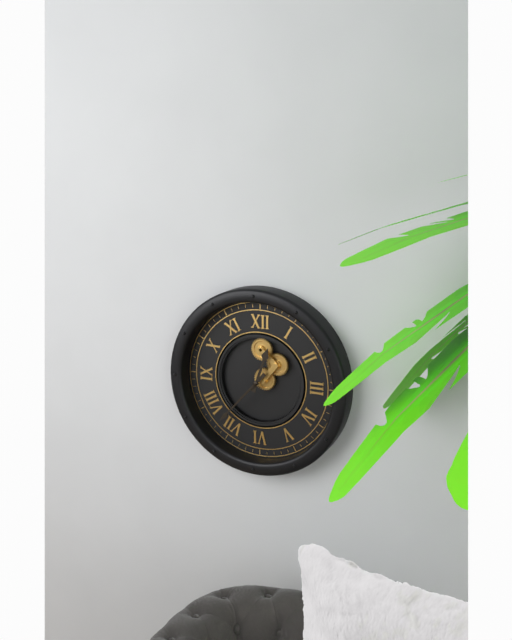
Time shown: **12:37**
